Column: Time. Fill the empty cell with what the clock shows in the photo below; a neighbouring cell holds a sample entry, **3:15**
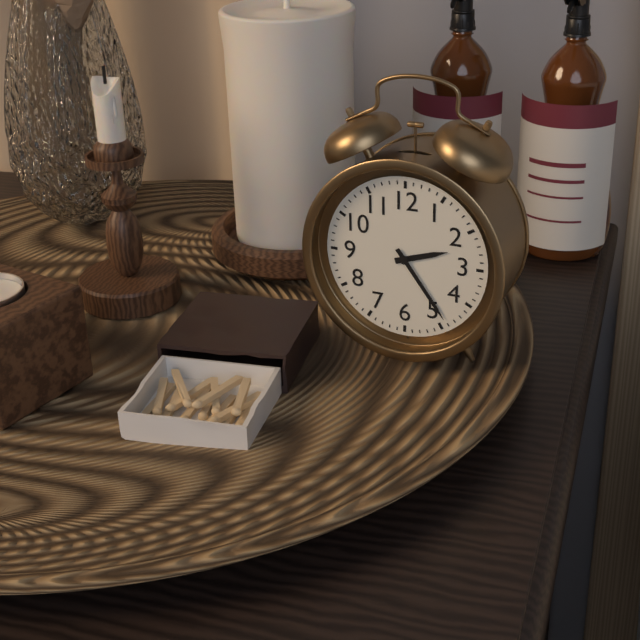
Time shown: **2:24**
